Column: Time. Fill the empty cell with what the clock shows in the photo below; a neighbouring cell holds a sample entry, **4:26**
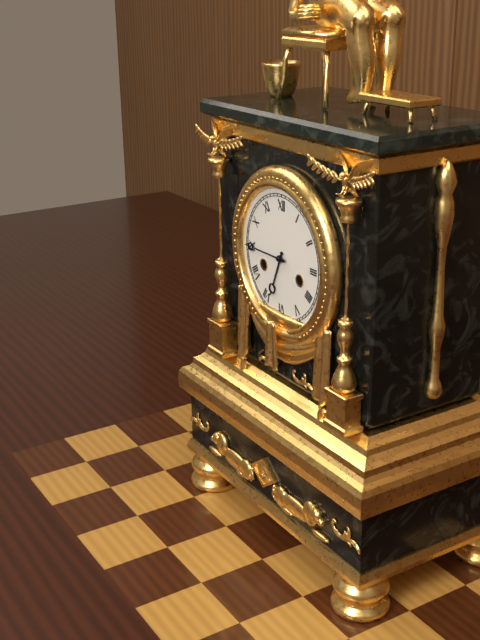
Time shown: **6:45**
